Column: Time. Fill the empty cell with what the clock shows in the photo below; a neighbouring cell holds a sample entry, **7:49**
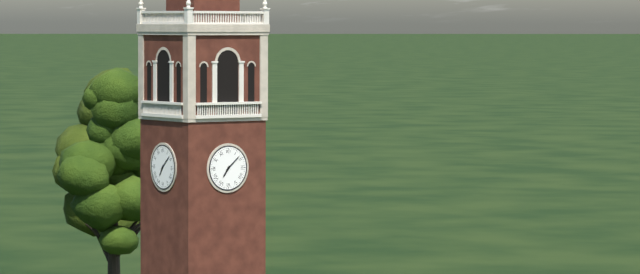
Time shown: **7:08**
